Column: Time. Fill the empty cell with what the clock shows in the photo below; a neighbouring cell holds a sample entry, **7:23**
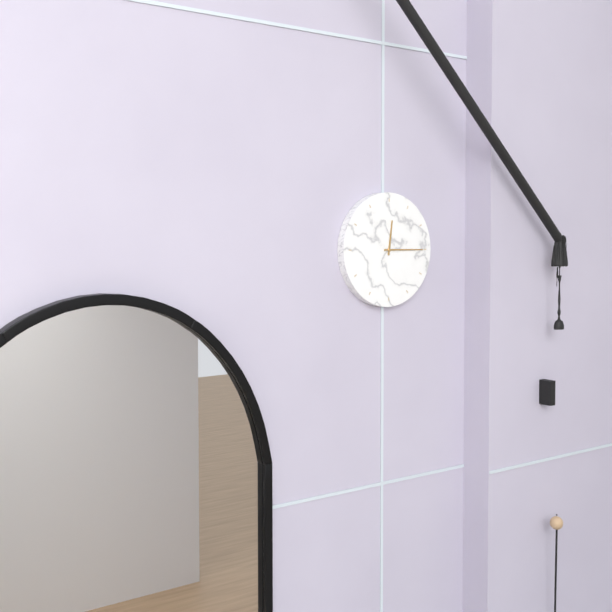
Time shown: **12:15**
